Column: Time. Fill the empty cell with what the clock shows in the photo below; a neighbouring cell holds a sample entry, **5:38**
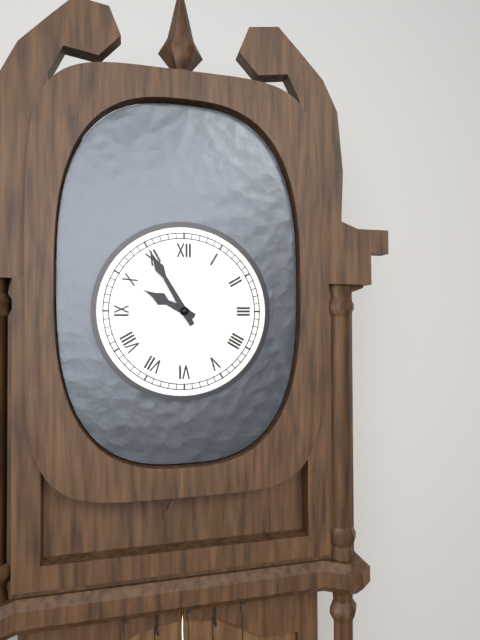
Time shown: **9:55**
